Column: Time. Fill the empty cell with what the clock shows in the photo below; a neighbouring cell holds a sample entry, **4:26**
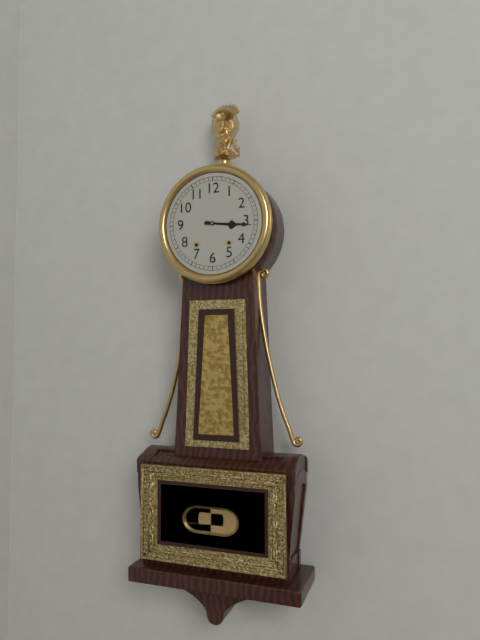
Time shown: **3:16**
